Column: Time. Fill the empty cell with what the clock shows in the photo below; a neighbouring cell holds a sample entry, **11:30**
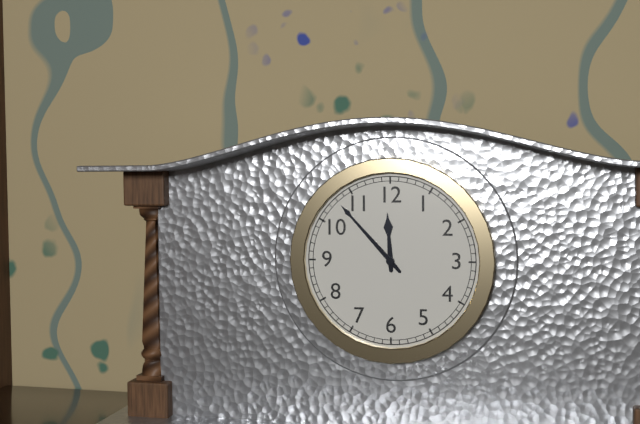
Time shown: **11:53**
